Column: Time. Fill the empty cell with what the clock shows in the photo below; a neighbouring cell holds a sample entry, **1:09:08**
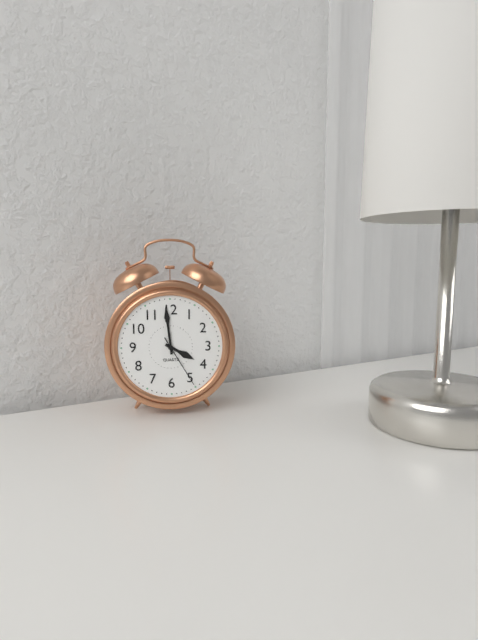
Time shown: **3:59:25**
